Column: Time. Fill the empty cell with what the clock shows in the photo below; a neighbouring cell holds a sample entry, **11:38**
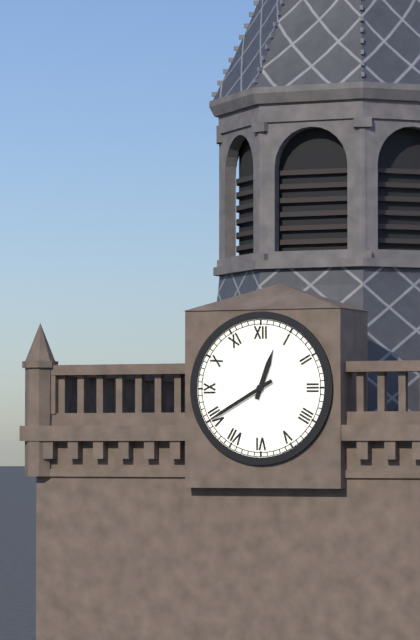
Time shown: **12:40**
